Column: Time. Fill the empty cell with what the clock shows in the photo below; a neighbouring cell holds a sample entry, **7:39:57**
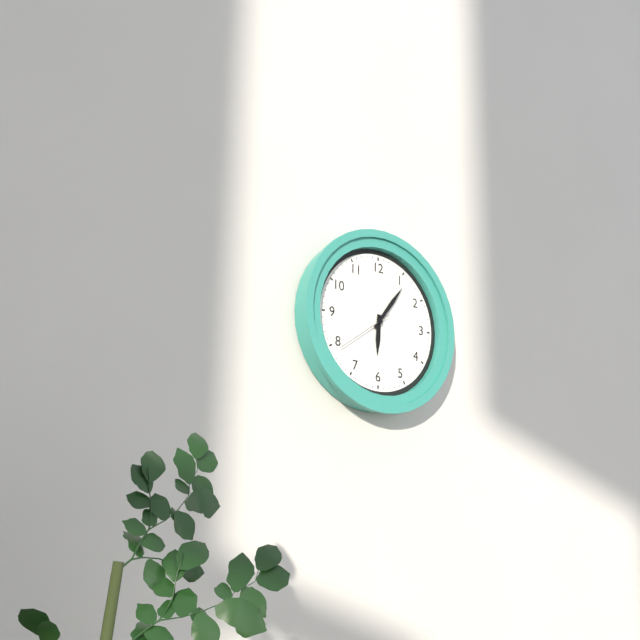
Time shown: **6:06:39**
